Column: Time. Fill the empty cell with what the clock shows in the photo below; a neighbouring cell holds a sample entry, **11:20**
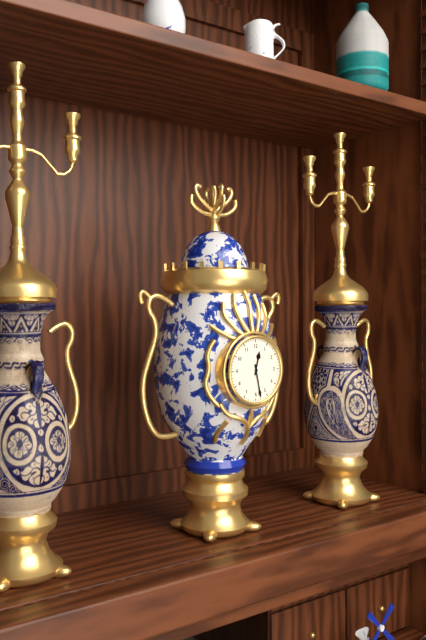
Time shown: **12:28**
